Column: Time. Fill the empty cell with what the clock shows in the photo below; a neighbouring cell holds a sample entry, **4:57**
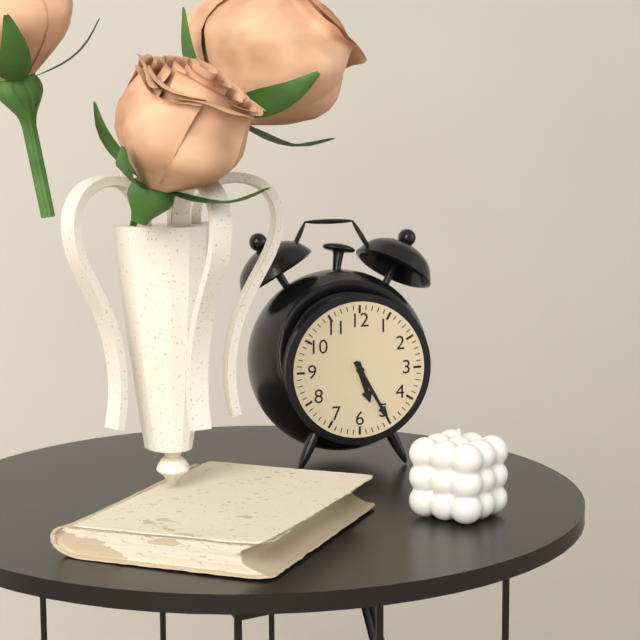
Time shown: **5:25**
